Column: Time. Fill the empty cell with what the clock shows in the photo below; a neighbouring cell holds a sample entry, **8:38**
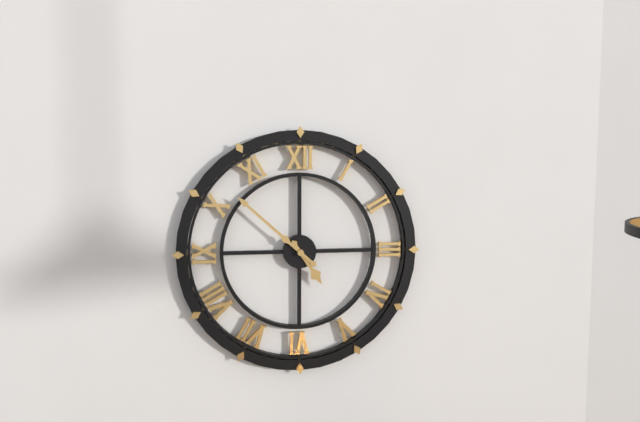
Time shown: **4:52**
